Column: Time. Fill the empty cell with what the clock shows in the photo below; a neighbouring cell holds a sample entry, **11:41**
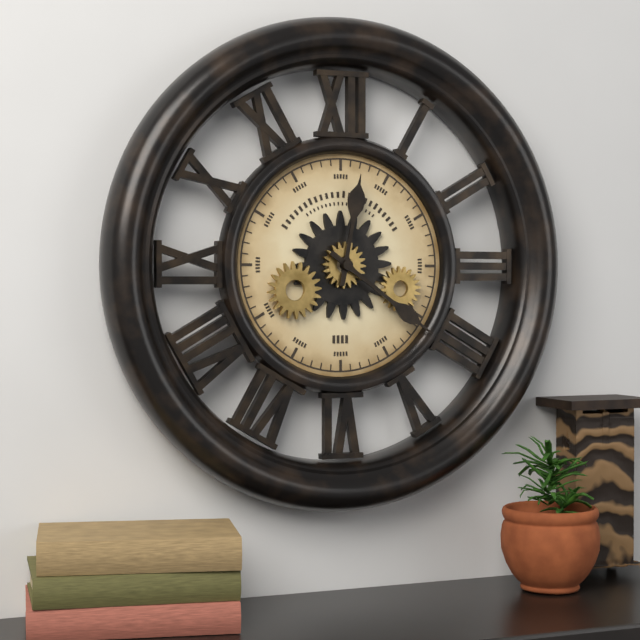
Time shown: **12:21**
